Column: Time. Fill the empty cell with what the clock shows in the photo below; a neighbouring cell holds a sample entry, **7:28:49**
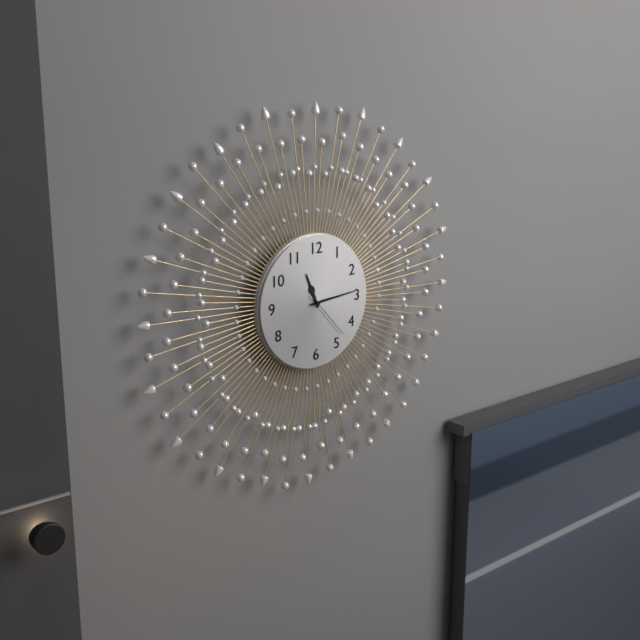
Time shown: **11:14:23**
